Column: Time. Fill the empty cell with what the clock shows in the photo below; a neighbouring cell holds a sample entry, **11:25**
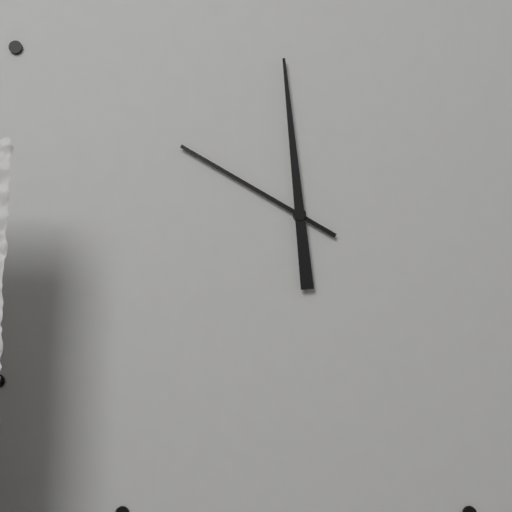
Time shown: **9:59**
